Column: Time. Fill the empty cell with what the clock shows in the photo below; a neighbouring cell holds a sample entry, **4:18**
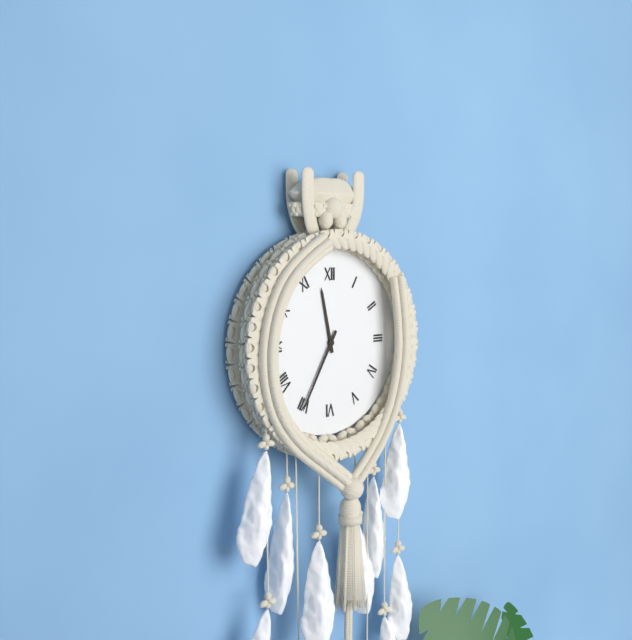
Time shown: **11:35**
